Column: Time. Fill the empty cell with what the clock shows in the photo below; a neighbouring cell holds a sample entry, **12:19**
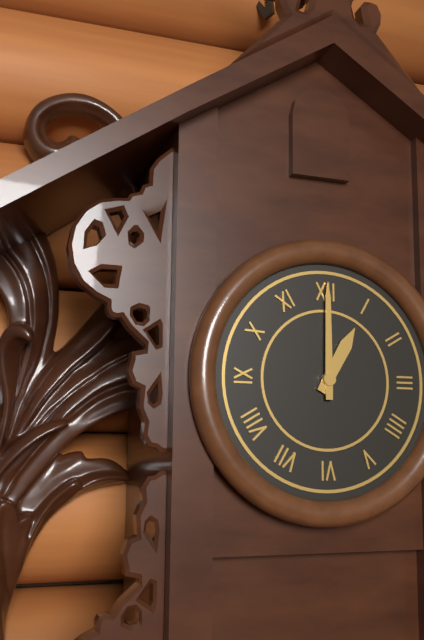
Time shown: **1:00**
